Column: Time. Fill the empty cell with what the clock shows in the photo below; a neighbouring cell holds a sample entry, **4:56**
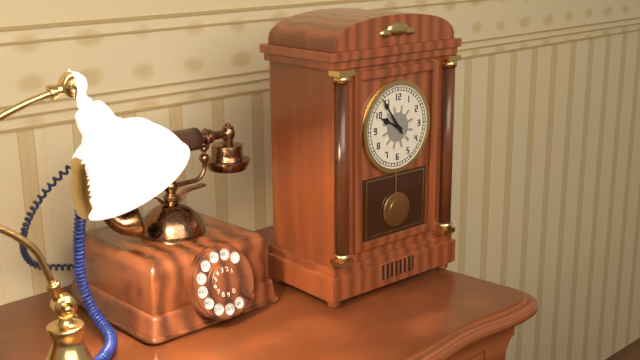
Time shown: **9:54**
